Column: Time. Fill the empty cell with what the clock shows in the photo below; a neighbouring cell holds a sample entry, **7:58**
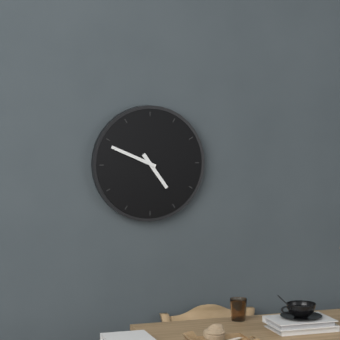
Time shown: **4:49**
